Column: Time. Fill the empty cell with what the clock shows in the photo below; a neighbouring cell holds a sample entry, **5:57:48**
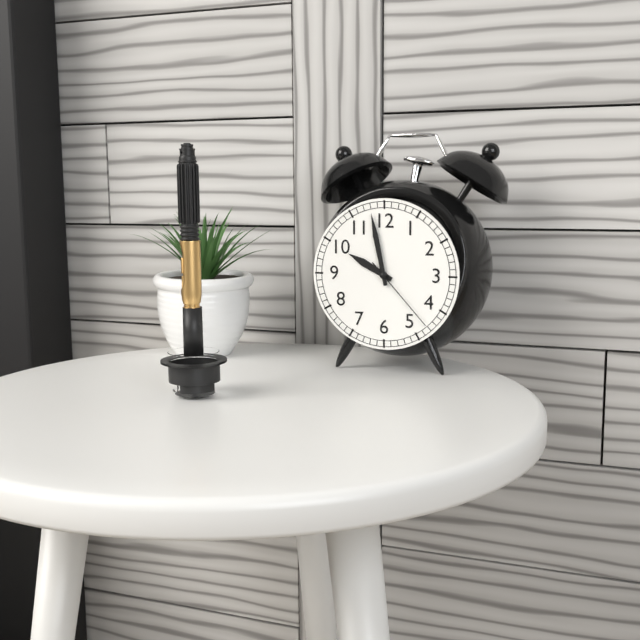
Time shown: **9:58:23**
